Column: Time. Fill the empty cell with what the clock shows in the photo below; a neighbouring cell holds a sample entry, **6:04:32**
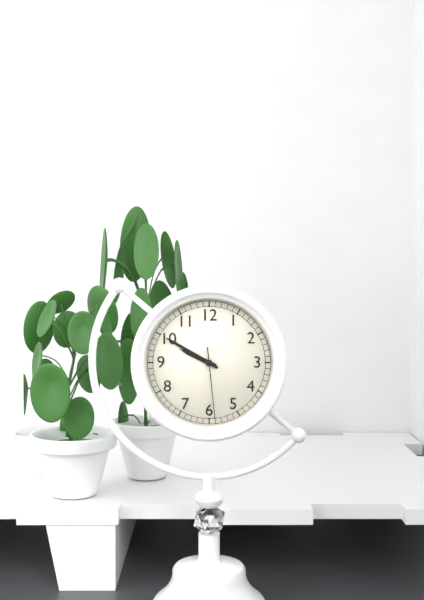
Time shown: **9:50:29**
